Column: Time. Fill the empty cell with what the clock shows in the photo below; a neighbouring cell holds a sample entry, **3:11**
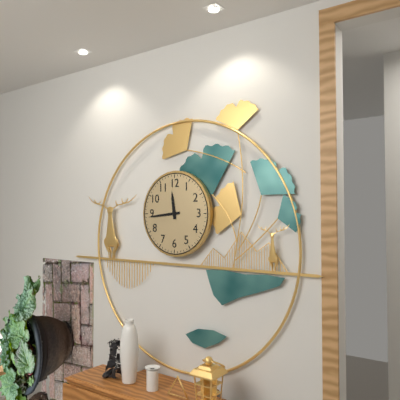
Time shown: **11:44**
